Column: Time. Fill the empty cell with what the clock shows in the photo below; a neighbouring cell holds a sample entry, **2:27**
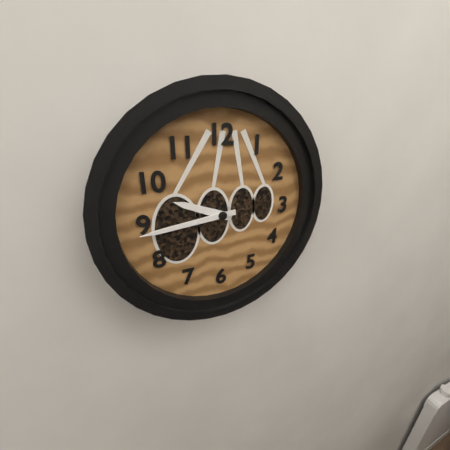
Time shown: **9:44**
